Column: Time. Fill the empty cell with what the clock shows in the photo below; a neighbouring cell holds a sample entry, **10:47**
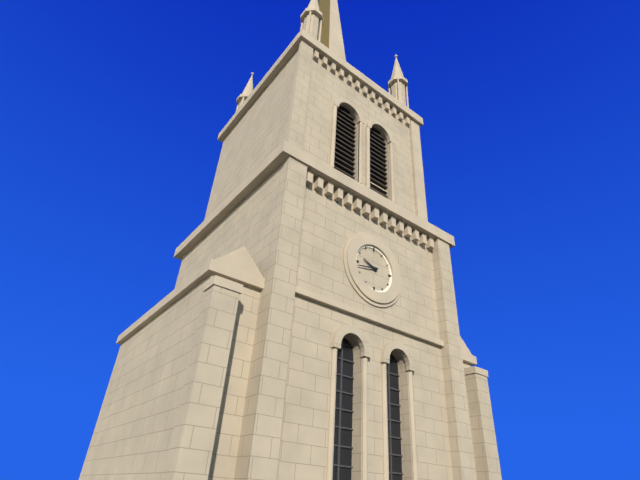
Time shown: **9:43**
